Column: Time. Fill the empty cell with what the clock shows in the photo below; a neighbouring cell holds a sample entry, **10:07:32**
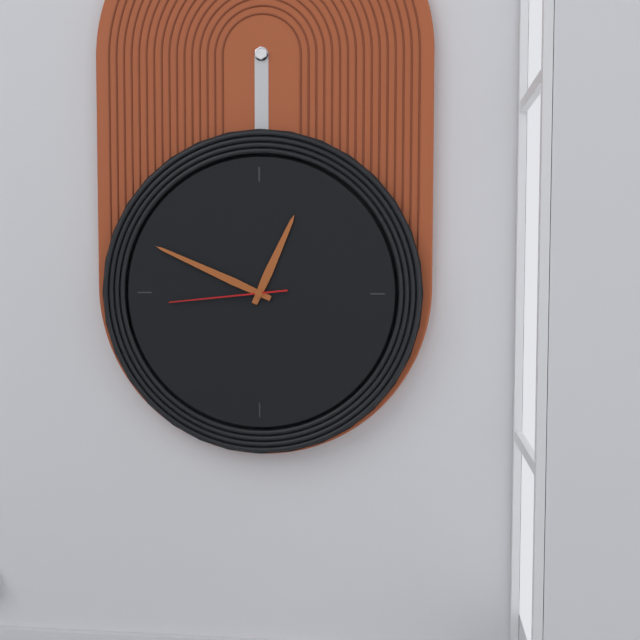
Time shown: **12:49:44**
